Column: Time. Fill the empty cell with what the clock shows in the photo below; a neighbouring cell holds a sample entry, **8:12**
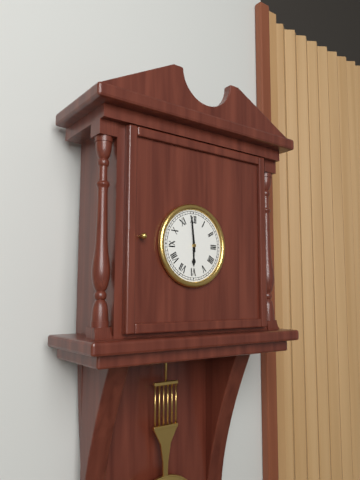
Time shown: **5:59**
